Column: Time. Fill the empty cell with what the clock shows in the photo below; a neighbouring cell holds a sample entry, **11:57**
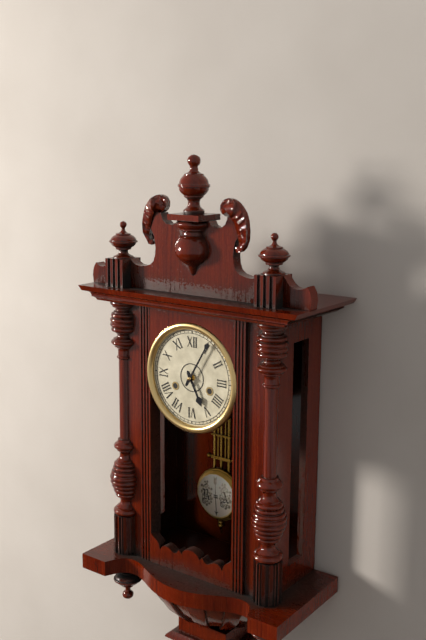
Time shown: **5:05**
